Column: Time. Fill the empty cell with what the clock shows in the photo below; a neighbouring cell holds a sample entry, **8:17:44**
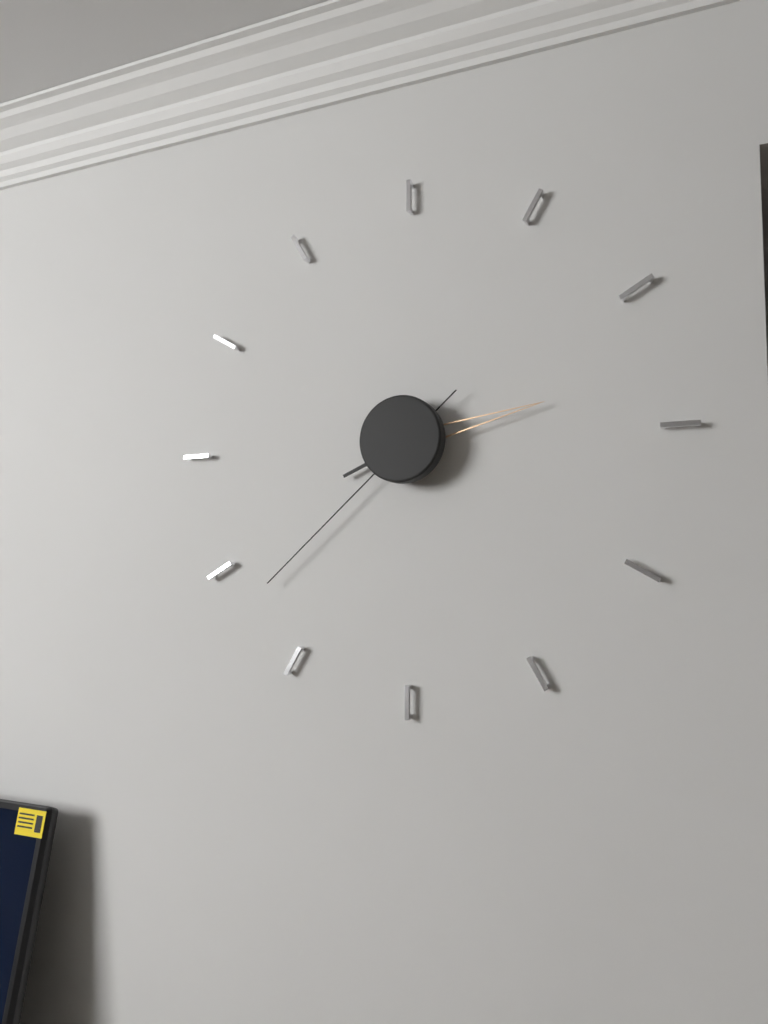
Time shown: **8:13:38**
